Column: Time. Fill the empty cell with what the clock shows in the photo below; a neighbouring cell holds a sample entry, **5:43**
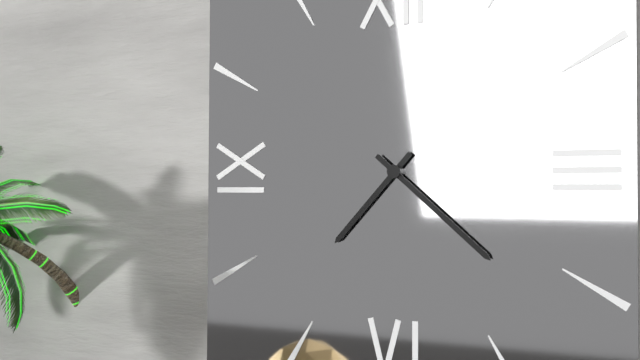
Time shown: **7:22**
